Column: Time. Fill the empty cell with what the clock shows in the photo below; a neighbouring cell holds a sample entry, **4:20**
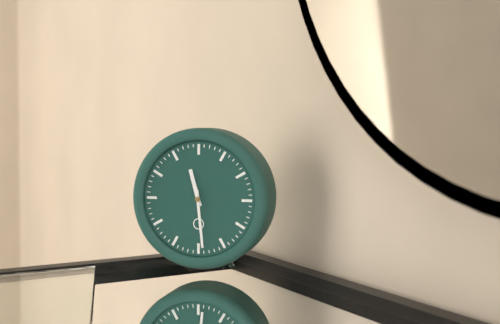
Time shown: **11:29**
